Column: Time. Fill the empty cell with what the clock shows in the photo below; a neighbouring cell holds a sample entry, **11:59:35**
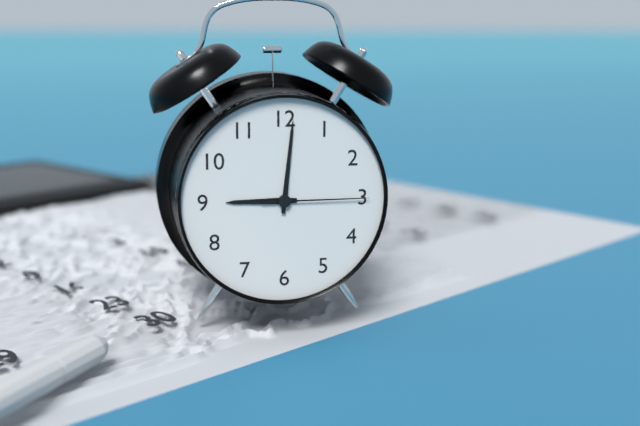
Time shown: **9:01:15**
